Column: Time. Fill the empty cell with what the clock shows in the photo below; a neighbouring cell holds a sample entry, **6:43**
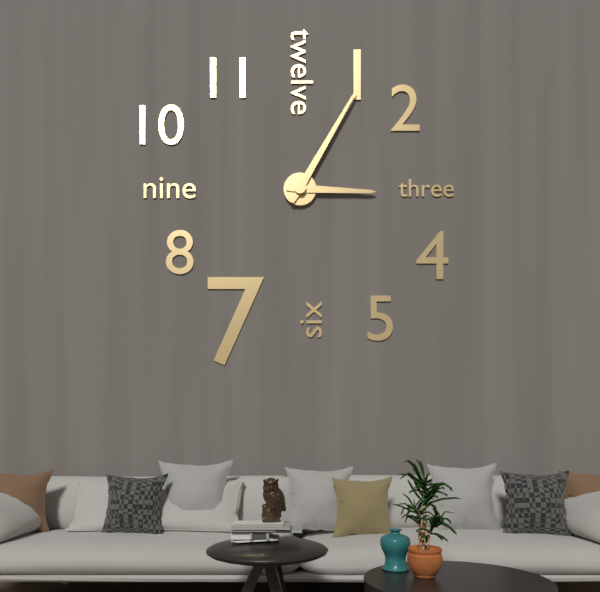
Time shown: **3:05**
